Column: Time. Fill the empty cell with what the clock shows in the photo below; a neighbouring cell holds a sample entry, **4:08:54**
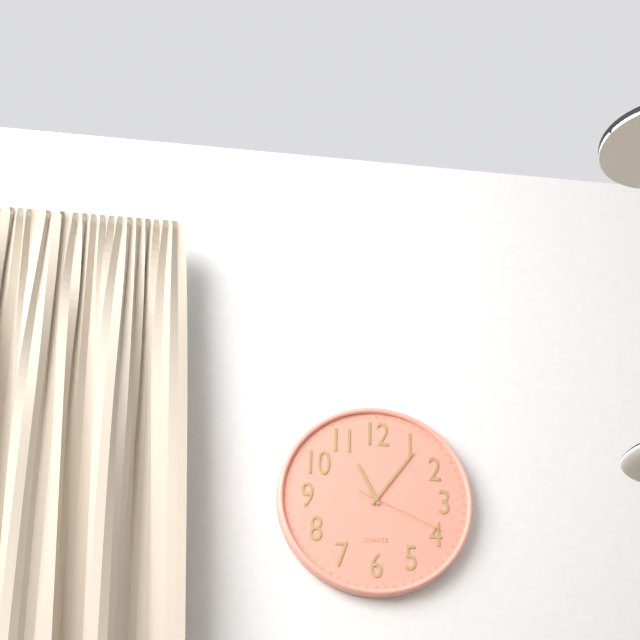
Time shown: **11:06:19**
